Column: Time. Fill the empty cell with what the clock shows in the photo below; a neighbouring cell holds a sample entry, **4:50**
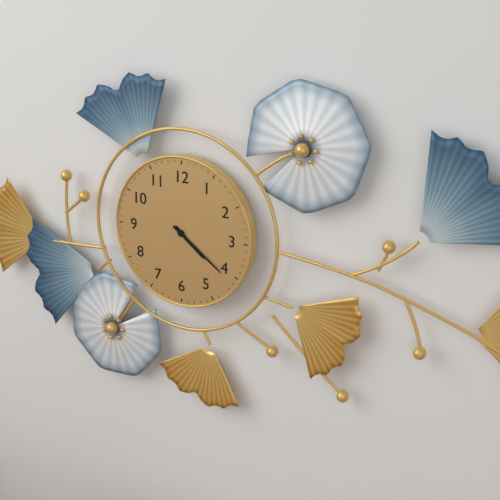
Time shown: **4:21**
